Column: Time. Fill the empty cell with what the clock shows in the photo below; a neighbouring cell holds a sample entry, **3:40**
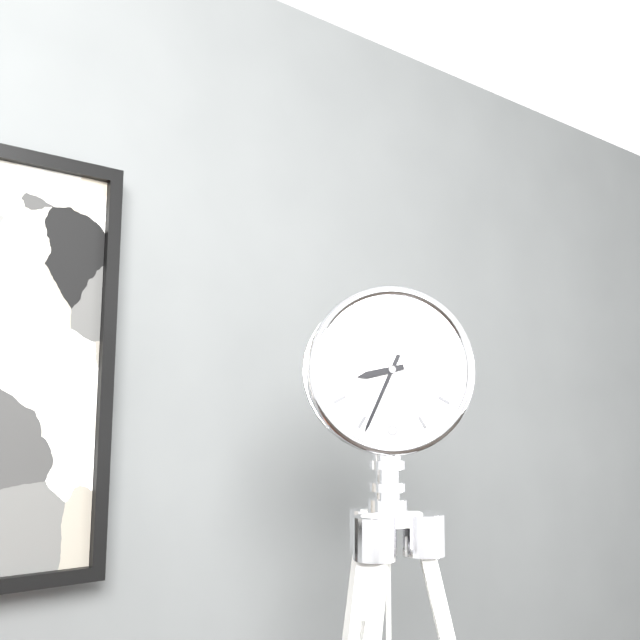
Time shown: **8:34**
